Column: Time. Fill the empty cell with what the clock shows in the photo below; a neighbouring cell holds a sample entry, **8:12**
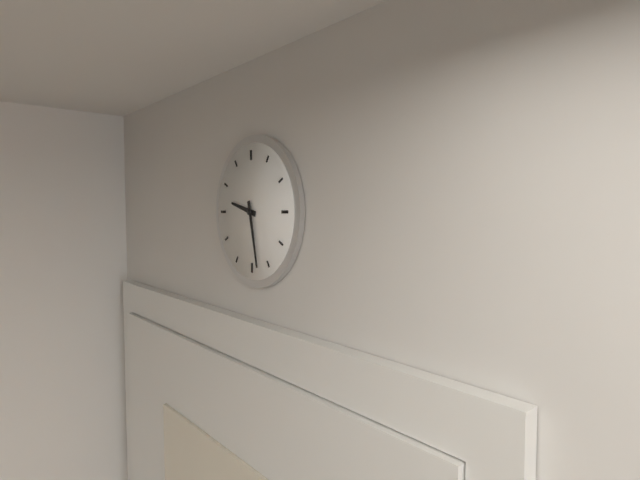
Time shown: **9:28**
